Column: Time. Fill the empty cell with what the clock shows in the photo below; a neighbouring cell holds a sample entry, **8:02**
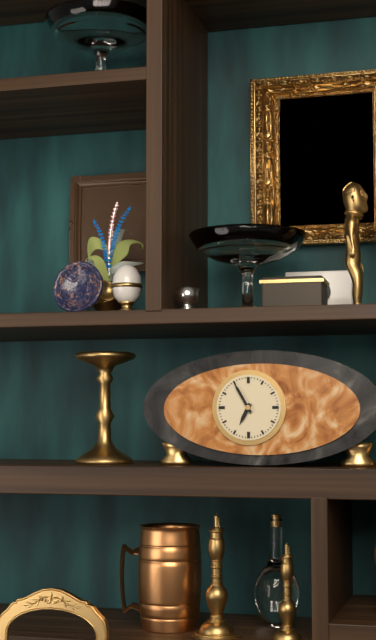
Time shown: **6:55**
